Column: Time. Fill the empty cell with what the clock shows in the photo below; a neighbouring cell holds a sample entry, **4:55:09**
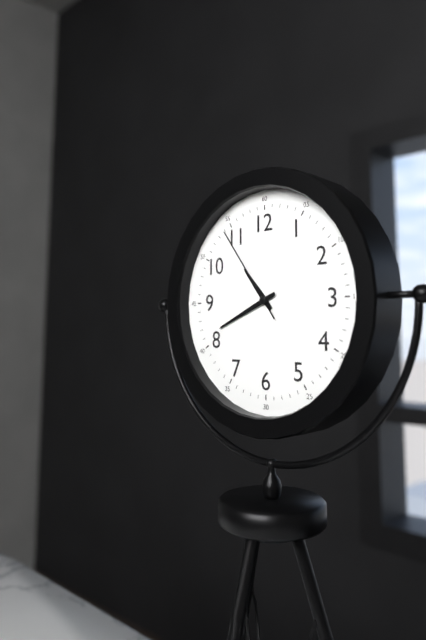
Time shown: **10:41:54**
